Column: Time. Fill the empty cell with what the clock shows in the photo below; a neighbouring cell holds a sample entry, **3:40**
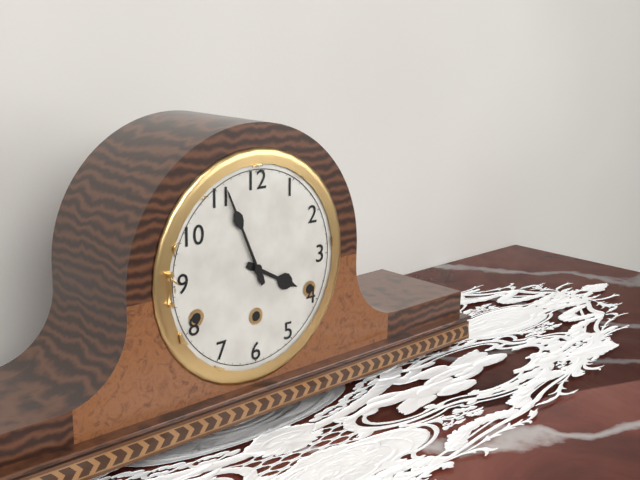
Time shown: **3:56**
